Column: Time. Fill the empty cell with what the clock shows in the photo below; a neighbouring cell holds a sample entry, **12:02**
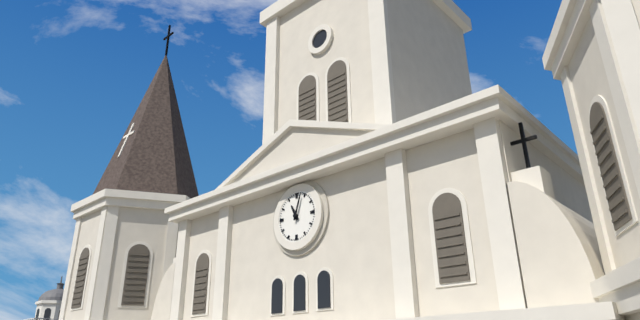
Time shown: **11:03**
